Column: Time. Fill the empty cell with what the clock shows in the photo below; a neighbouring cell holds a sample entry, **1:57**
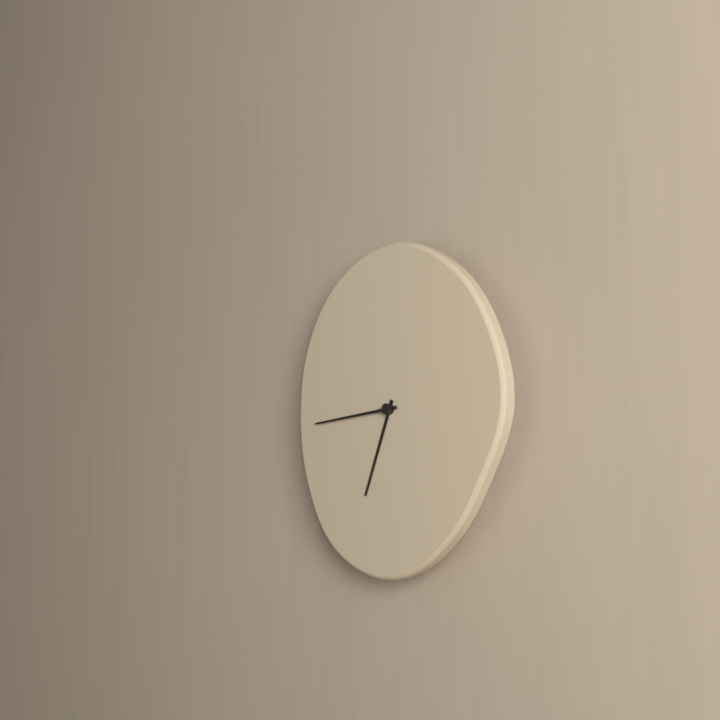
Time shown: **6:44**
